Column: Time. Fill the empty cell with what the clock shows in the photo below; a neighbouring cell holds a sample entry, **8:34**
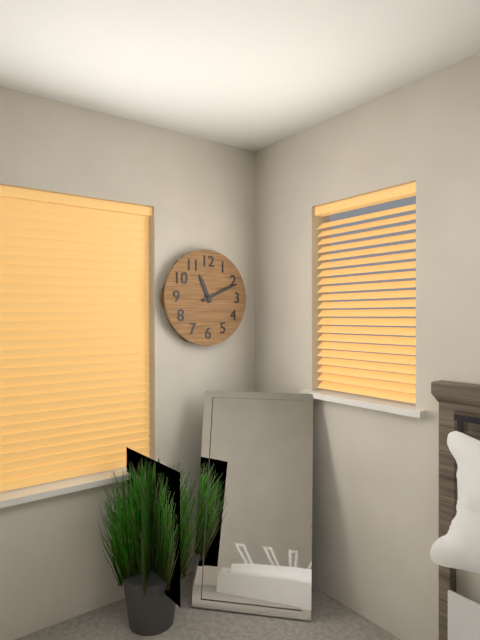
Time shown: **11:11**
